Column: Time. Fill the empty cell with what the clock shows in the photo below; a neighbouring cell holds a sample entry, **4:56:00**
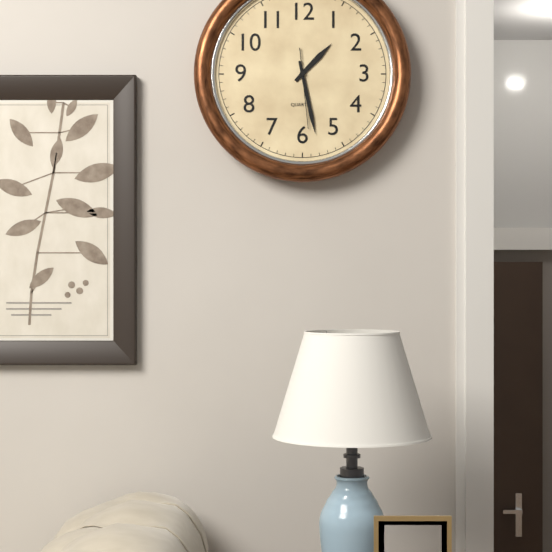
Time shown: **1:28:29**
